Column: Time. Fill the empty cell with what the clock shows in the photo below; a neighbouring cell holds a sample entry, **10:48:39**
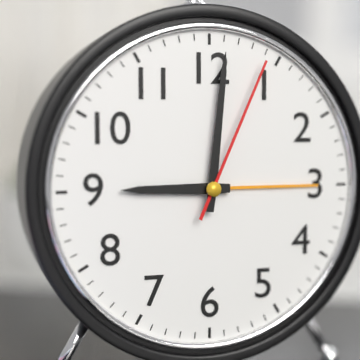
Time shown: **9:01:04**
